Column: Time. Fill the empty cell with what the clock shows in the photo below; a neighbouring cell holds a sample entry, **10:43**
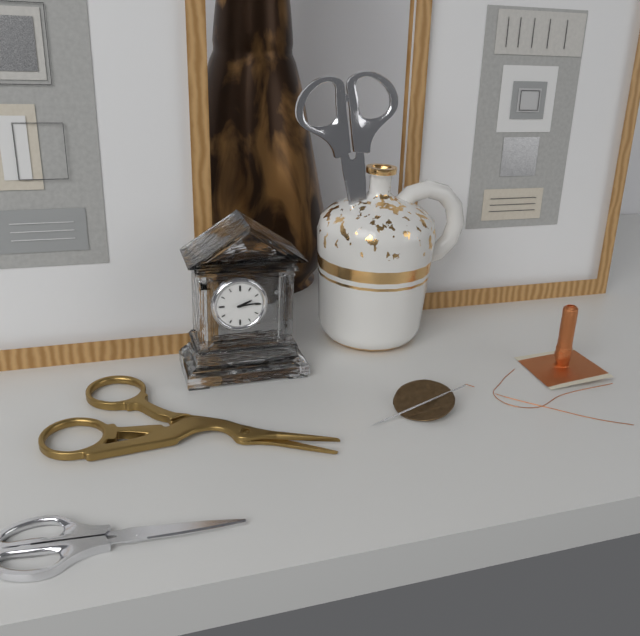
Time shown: **2:14**
